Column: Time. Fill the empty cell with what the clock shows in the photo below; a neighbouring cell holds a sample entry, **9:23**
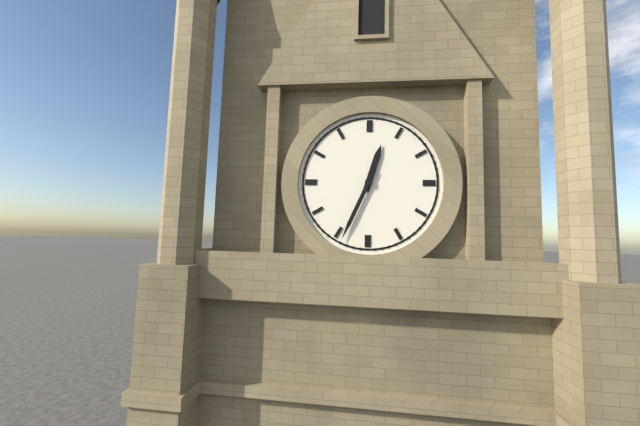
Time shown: **12:34**
